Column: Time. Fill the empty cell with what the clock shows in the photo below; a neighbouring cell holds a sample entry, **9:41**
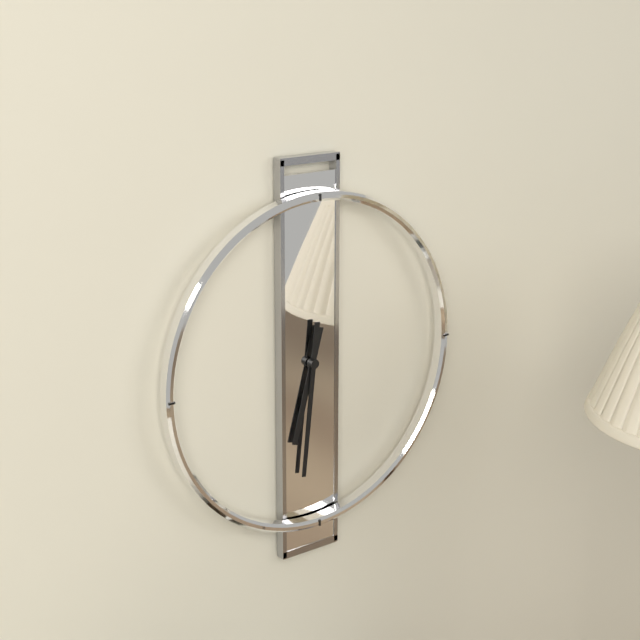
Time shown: **6:31**
